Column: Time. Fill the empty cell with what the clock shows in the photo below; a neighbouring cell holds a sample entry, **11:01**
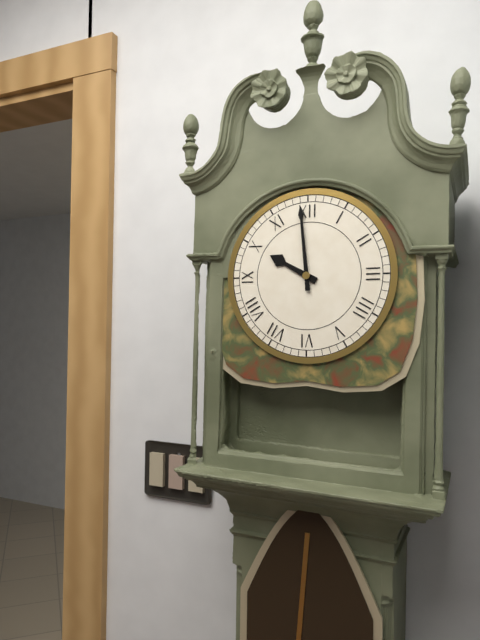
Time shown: **9:59**
